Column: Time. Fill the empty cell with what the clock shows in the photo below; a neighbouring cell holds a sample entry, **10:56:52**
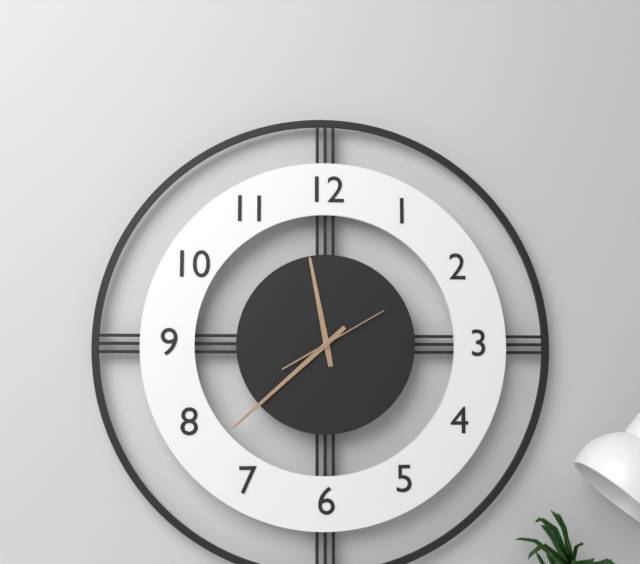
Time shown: **11:38:10**
